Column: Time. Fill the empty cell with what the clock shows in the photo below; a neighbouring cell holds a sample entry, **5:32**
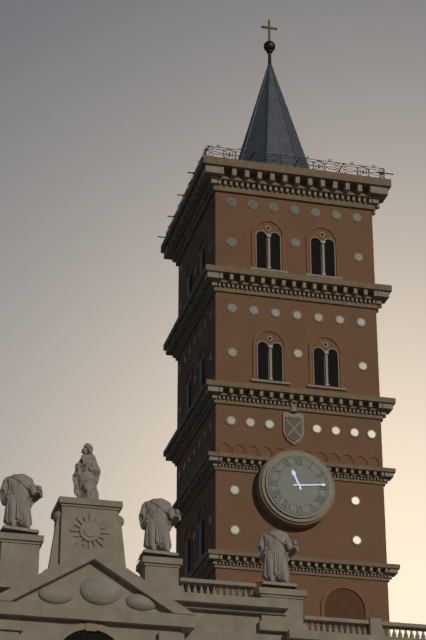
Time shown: **11:14**
